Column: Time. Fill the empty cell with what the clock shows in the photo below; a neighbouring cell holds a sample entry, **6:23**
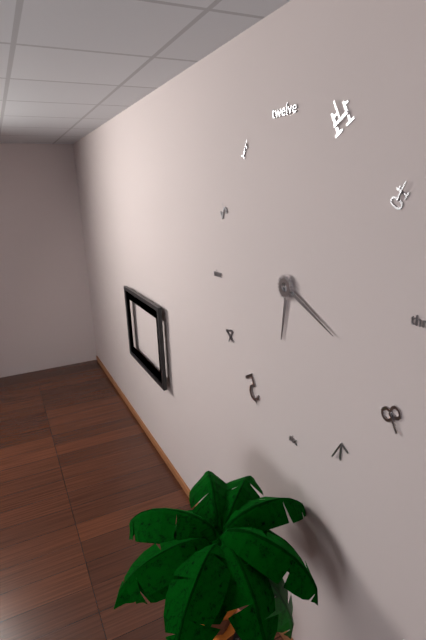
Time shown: **6:19**
